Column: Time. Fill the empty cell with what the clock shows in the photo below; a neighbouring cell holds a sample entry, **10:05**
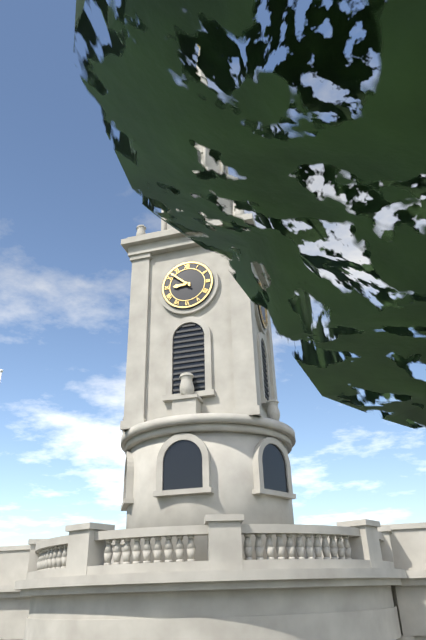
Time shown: **8:52**
